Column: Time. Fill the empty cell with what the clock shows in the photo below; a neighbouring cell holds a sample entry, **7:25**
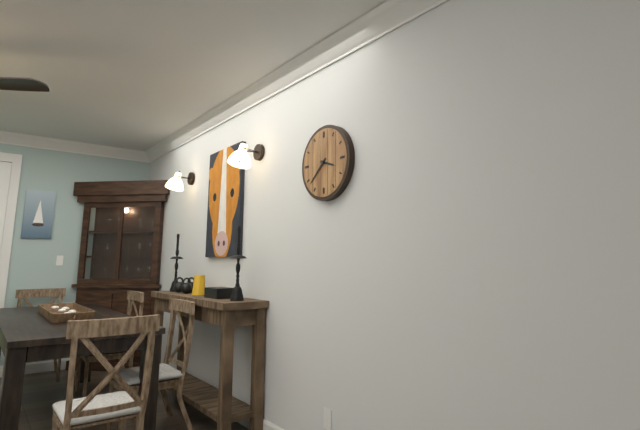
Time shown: **3:38**
